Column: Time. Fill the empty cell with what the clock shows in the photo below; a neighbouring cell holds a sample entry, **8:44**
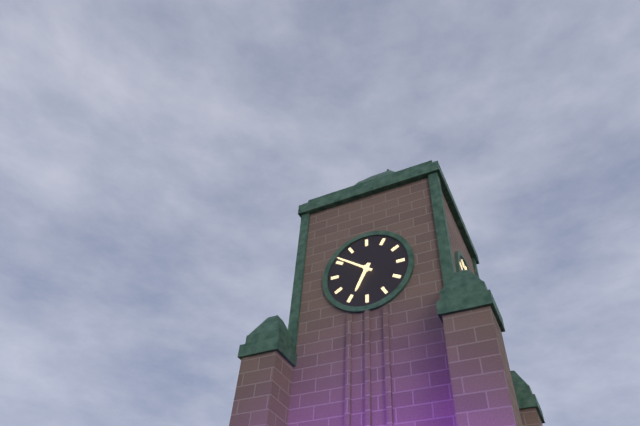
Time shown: **6:51**
